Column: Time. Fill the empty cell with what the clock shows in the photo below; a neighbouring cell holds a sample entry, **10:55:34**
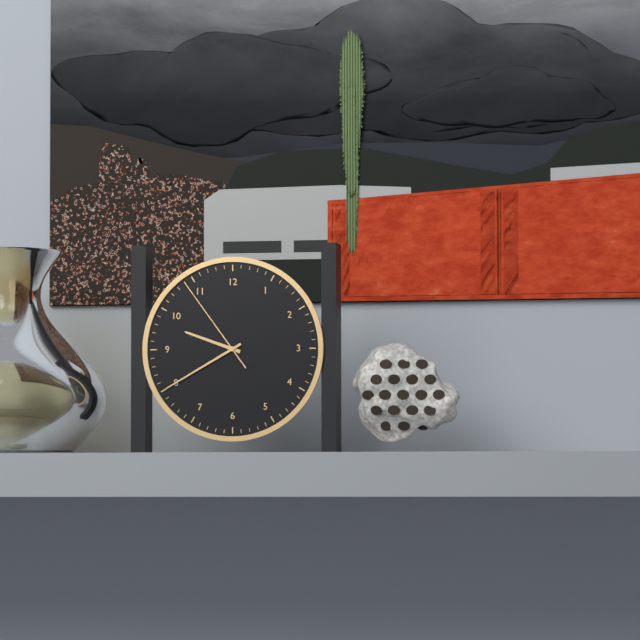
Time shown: **9:40:54**
